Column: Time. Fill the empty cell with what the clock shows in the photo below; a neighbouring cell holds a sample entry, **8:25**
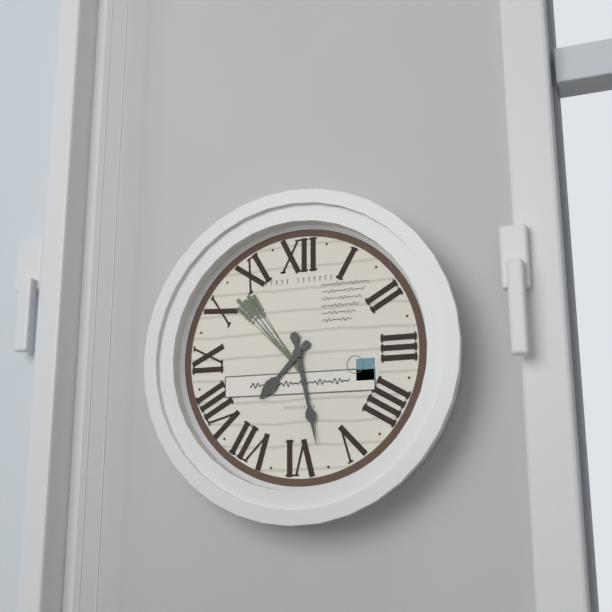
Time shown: **7:28**
